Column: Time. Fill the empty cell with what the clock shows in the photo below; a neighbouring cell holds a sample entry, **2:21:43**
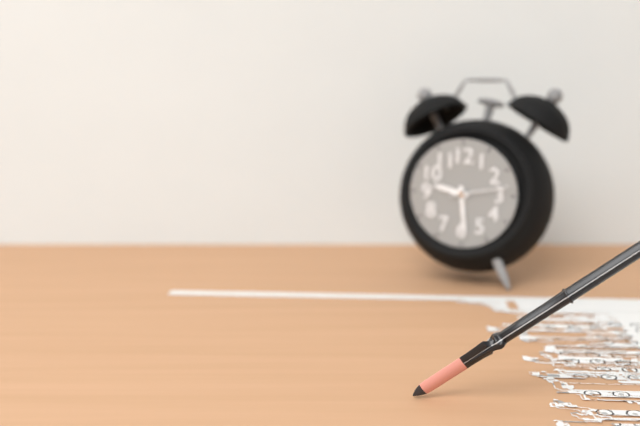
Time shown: **9:29:13**
